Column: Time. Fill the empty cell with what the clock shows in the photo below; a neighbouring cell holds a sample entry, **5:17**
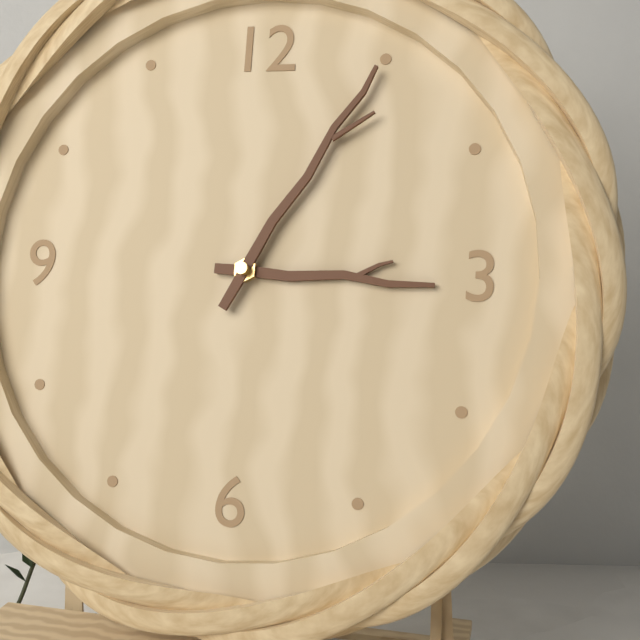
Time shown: **3:05**
